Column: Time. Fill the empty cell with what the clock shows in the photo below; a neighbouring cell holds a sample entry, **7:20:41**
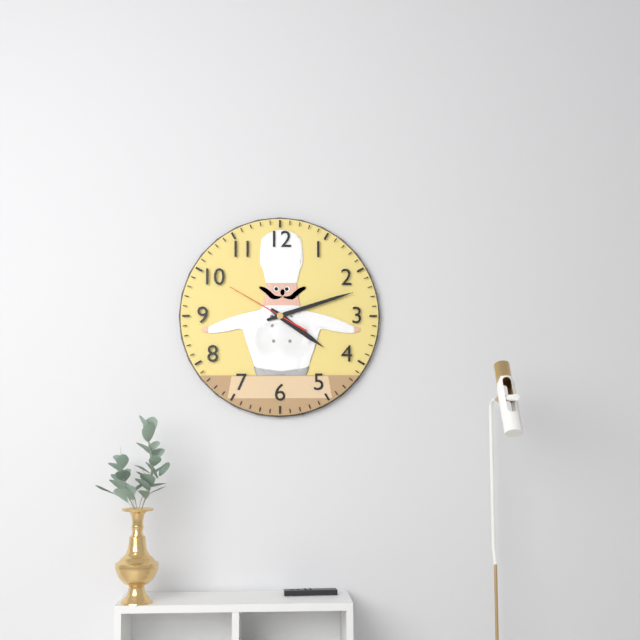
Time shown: **4:12:50**
